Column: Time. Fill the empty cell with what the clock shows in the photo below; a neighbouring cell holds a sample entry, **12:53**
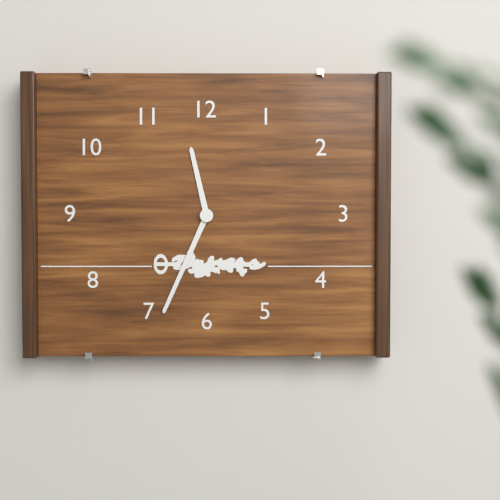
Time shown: **11:34**
